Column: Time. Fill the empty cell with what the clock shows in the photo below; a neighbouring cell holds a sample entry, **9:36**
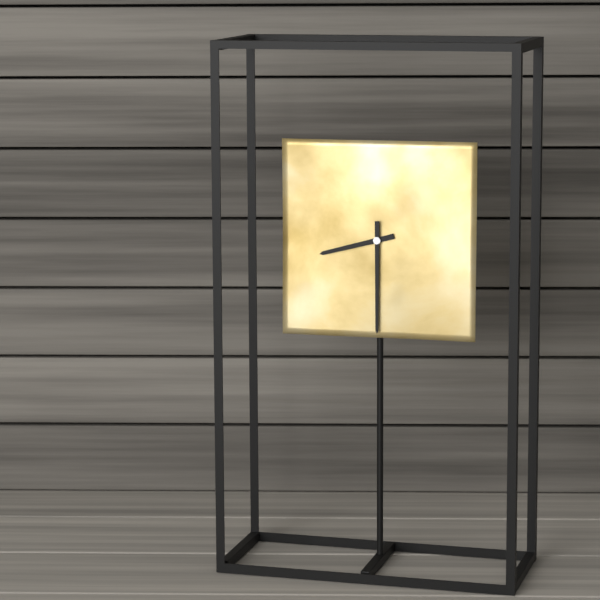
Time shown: **8:30**
